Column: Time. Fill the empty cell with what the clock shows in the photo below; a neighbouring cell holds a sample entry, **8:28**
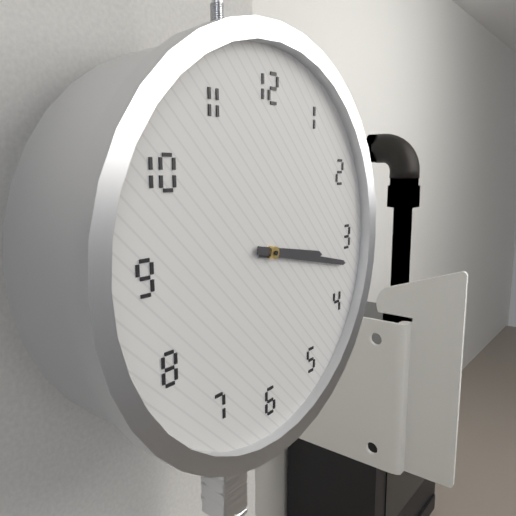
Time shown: **3:17**
